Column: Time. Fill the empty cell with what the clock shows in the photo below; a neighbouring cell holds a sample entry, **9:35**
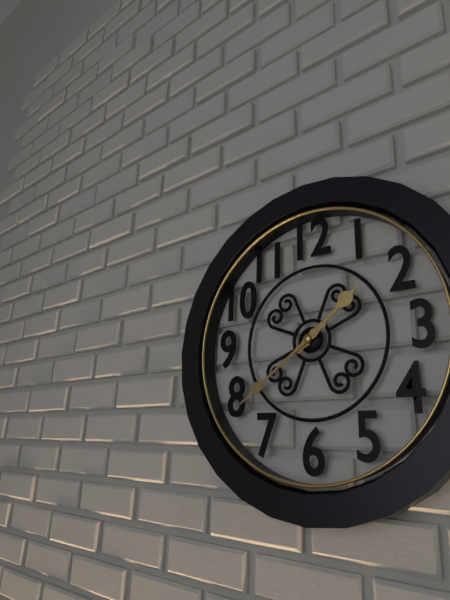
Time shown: **1:39**
